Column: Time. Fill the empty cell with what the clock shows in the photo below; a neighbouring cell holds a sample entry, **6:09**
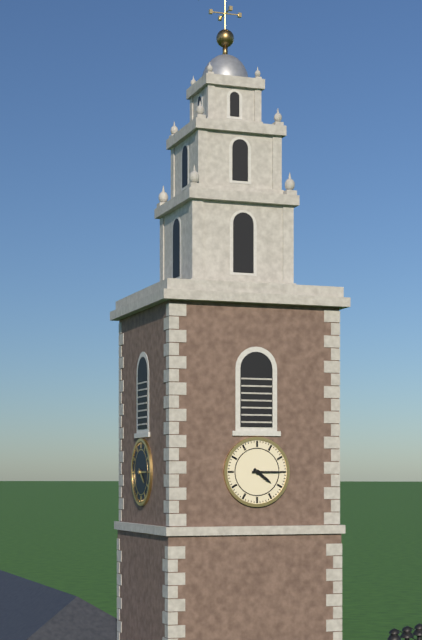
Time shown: **4:15**
